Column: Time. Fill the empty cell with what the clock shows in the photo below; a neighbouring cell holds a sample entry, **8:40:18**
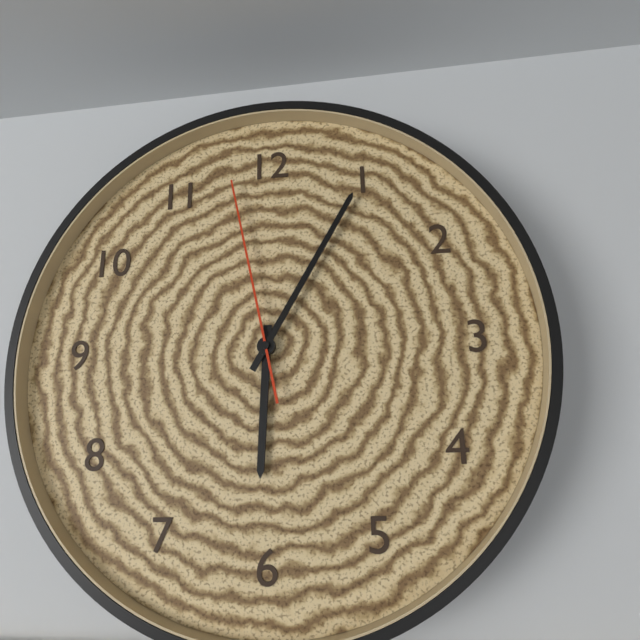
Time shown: **6:05:58**
